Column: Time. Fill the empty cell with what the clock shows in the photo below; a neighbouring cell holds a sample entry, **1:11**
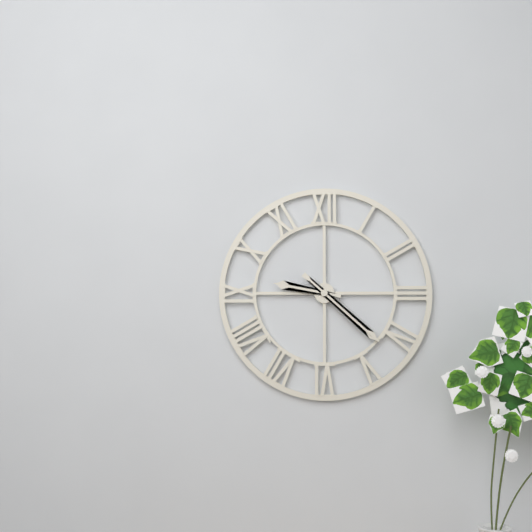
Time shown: **9:22**
